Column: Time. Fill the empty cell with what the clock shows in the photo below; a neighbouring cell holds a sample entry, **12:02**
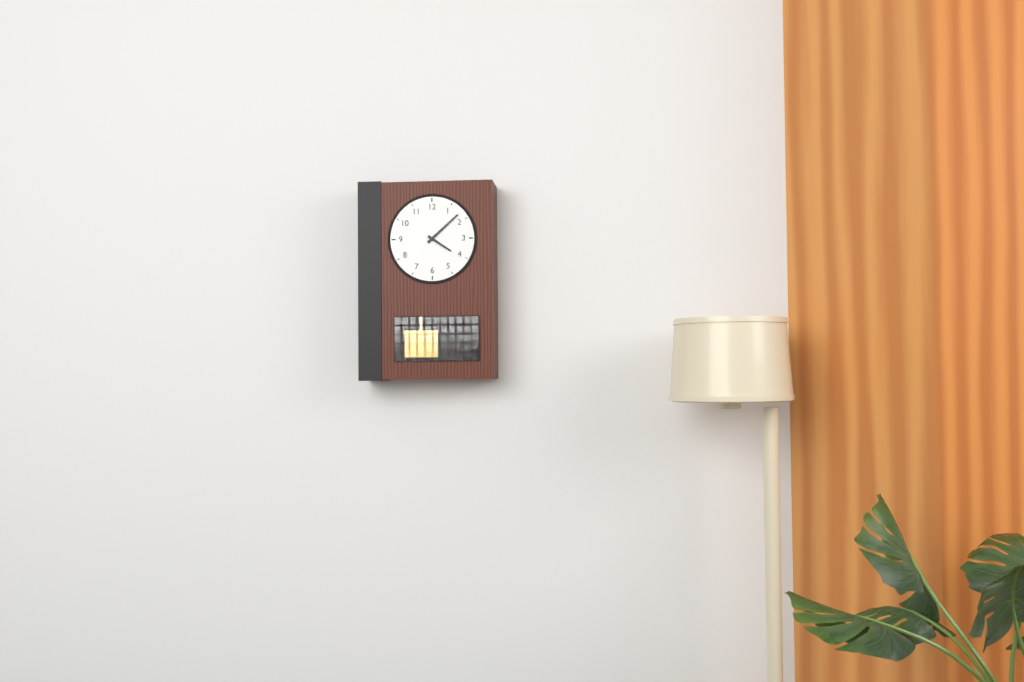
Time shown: **4:08**
